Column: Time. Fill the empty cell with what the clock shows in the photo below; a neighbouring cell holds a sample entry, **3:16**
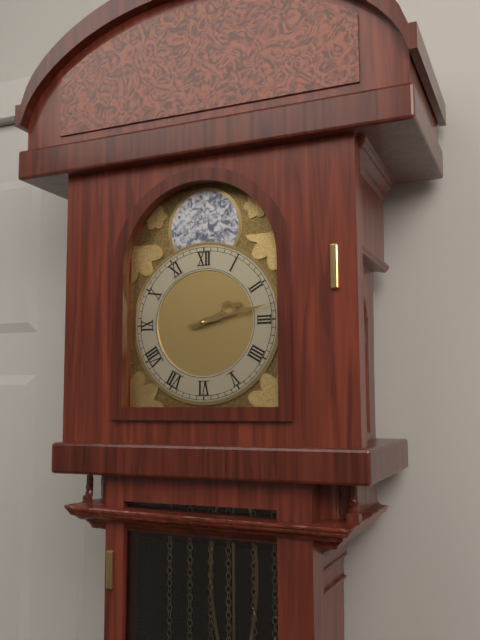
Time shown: **2:13**
